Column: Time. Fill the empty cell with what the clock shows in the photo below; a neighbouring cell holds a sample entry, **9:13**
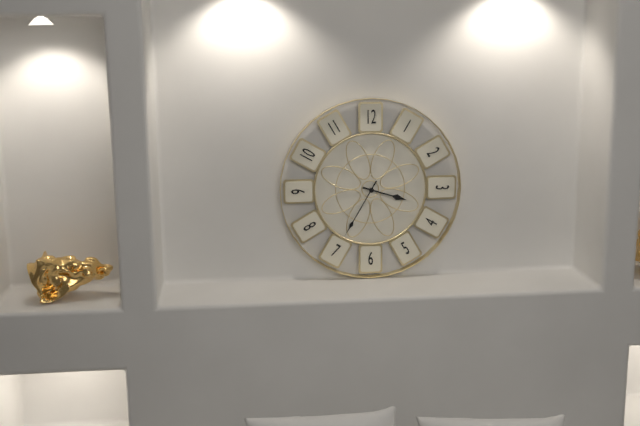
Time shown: **3:35**
